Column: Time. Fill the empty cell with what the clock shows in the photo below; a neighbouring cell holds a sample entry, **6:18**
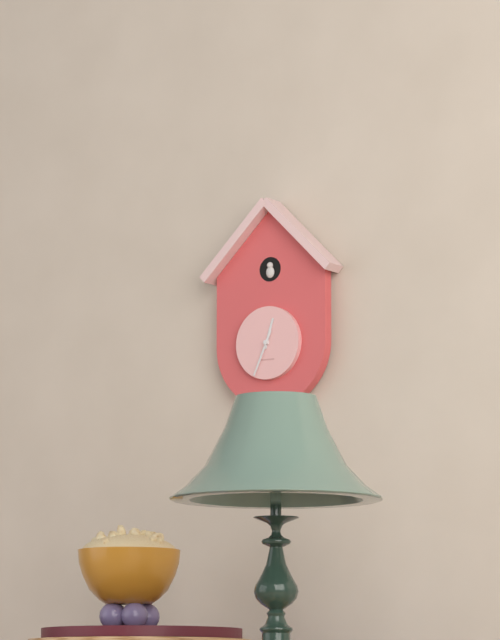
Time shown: **12:34**
